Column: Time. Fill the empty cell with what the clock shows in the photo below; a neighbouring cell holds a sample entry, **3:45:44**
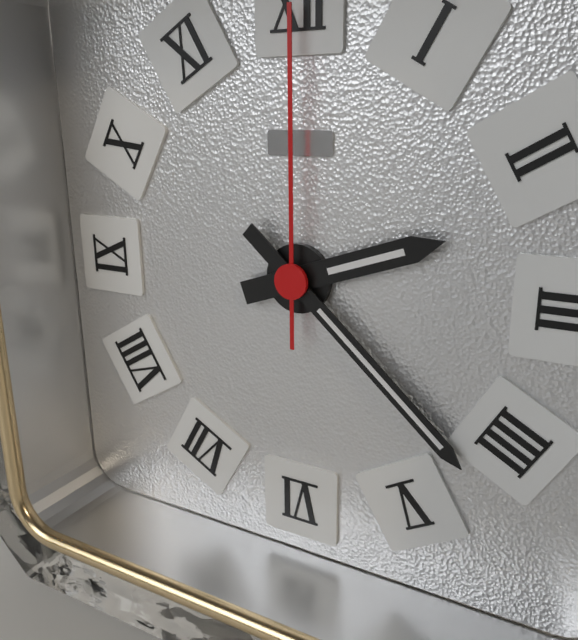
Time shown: **2:22:00**
